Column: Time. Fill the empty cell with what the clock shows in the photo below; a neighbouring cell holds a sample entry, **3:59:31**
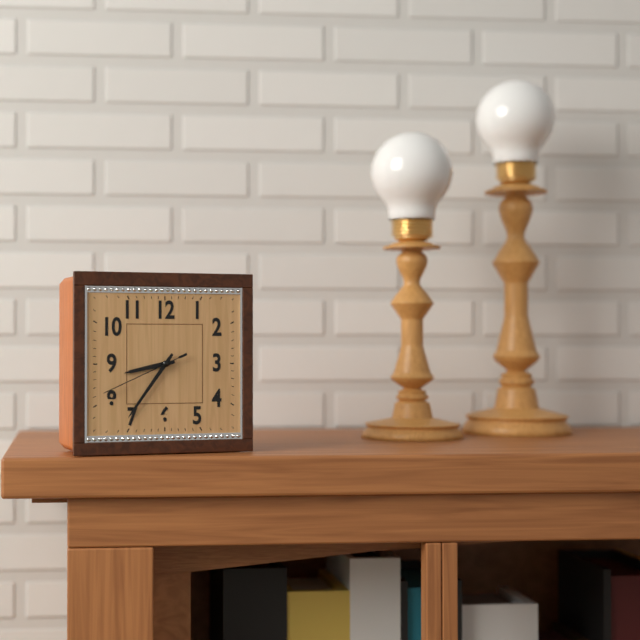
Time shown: **8:36:41**
